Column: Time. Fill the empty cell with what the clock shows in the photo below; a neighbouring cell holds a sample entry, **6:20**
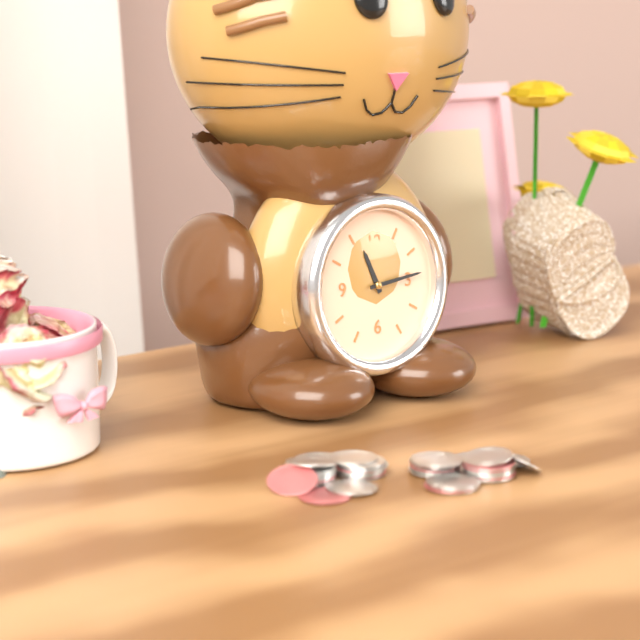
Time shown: **11:14**
